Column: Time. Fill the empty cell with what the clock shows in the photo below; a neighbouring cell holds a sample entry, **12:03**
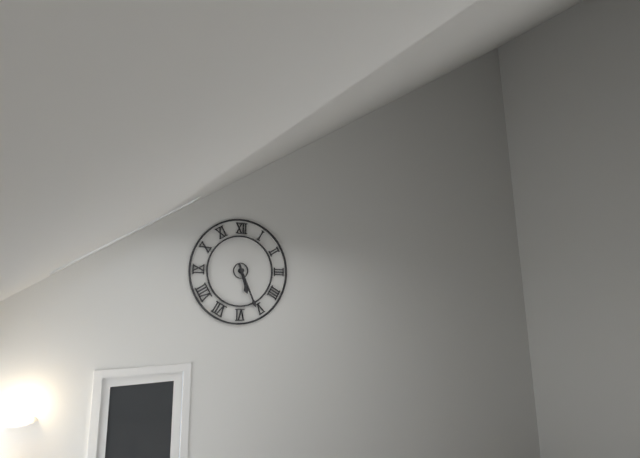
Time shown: **5:26**
